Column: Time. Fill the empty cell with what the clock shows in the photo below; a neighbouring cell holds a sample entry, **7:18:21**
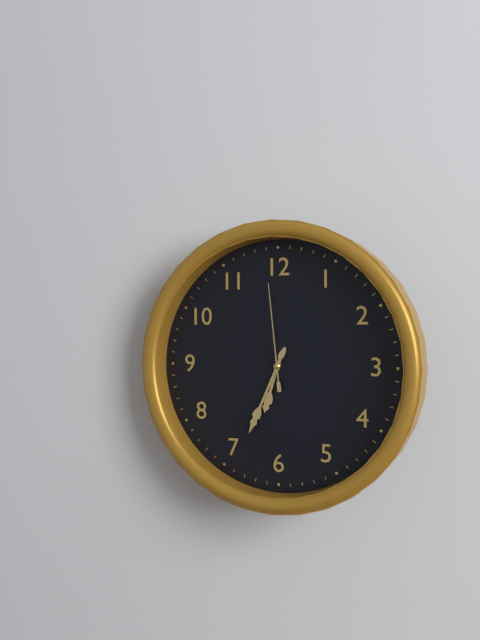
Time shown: **6:34:59**
